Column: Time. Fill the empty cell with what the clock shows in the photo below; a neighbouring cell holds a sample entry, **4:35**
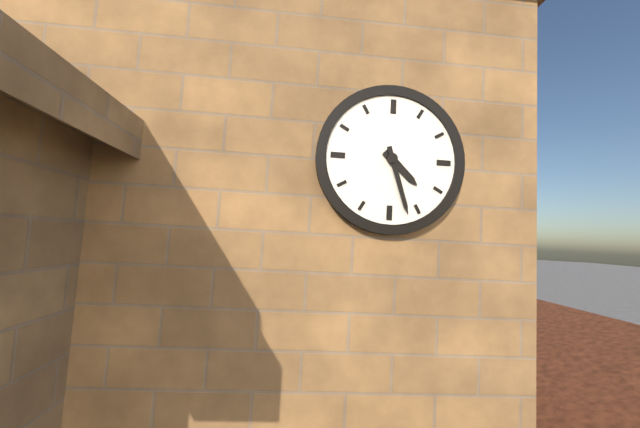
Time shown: **4:27**
